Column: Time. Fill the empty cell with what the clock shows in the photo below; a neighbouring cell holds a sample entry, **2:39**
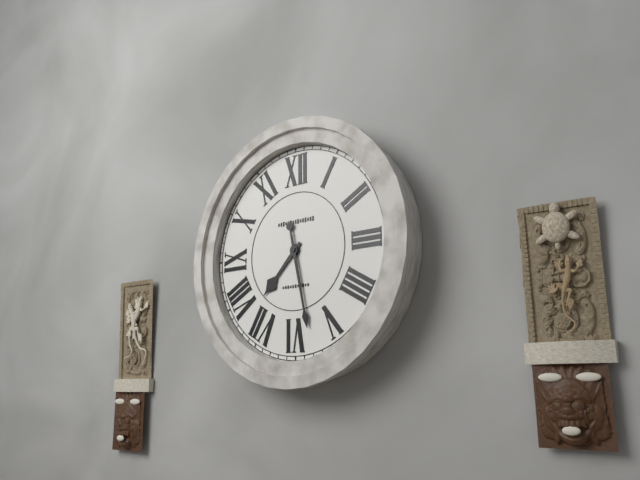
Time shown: **7:28**
